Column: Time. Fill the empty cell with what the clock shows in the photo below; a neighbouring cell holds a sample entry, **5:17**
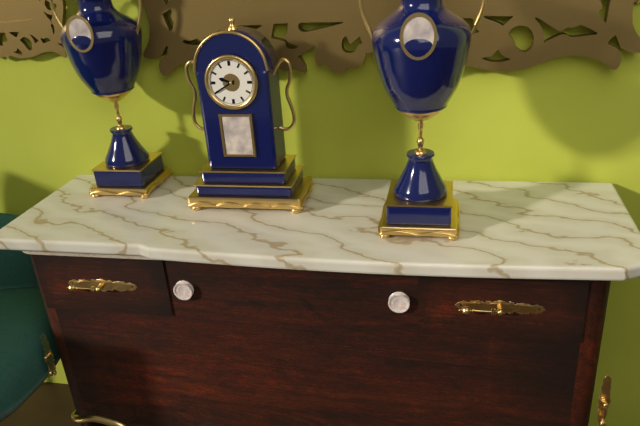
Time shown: **9:40**
